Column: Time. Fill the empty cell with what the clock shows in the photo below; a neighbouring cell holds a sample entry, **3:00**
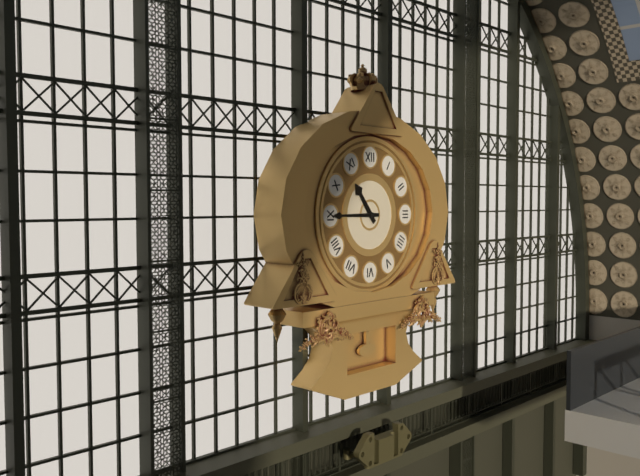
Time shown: **10:45**
